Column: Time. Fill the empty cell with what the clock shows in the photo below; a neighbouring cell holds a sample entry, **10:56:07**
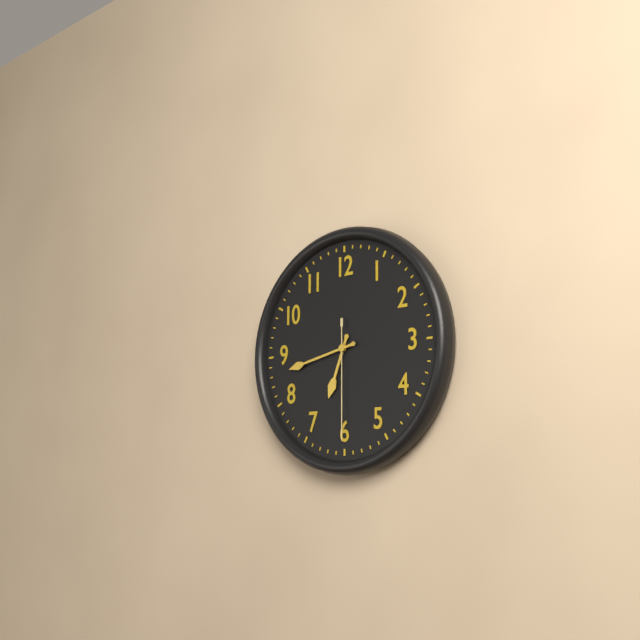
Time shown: **6:43:30**
